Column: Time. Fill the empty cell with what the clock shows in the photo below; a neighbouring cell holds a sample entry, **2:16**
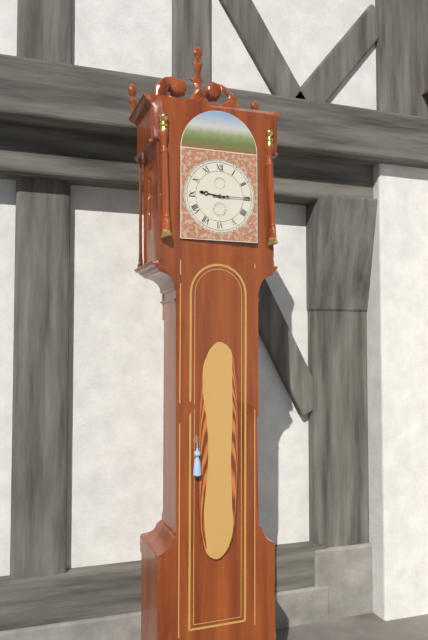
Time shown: **9:15**
